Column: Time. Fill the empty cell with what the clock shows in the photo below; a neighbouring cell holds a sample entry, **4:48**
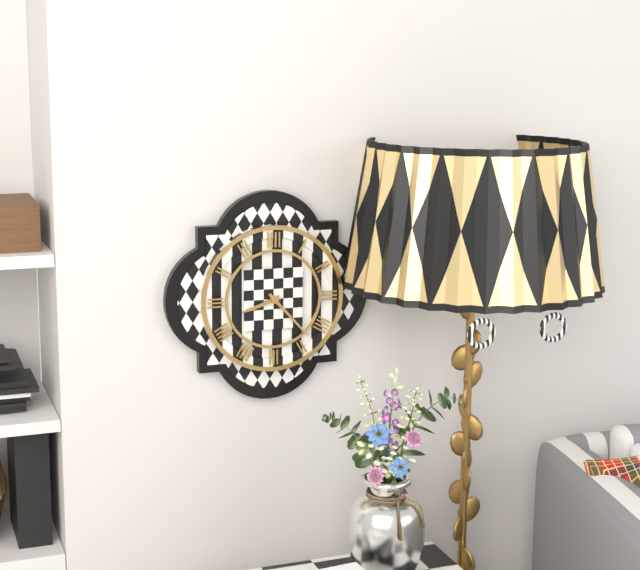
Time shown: **8:23**
